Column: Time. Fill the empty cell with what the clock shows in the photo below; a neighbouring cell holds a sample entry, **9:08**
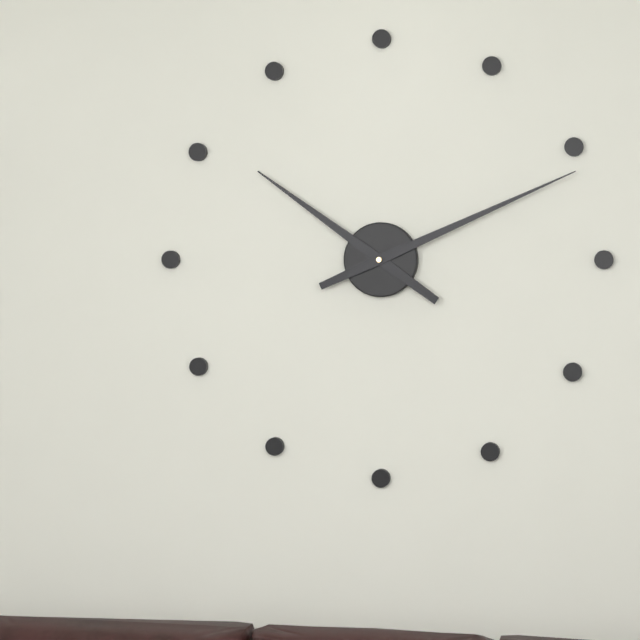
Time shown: **10:11**
